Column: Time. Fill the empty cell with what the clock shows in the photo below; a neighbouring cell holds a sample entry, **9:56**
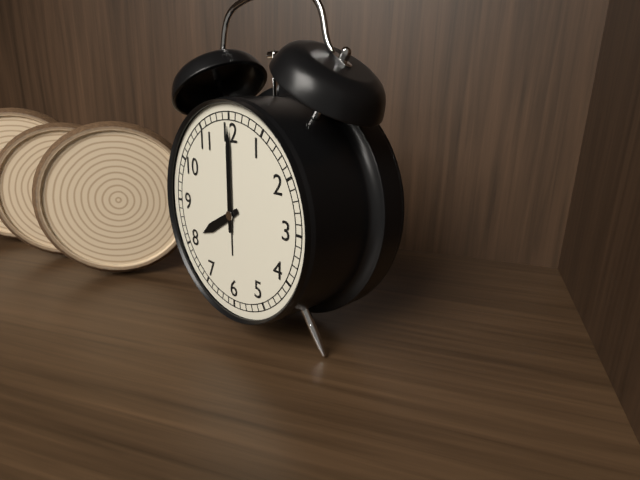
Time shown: **8:00**
